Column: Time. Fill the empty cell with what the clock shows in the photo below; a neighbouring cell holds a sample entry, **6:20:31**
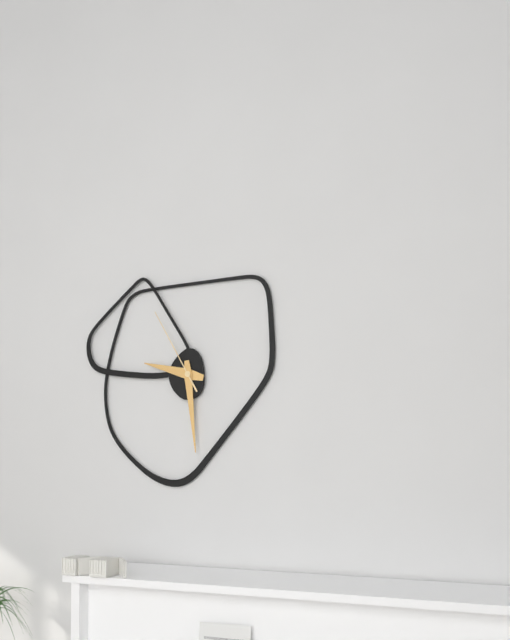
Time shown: **9:29:55**
